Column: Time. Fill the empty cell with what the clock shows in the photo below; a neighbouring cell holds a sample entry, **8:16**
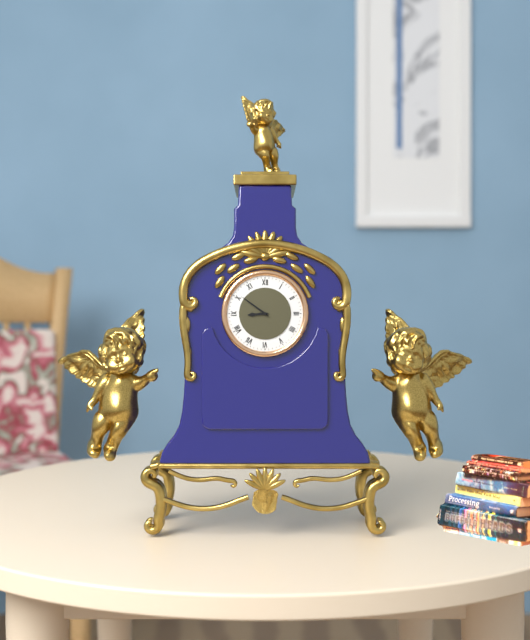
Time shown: **8:51**
